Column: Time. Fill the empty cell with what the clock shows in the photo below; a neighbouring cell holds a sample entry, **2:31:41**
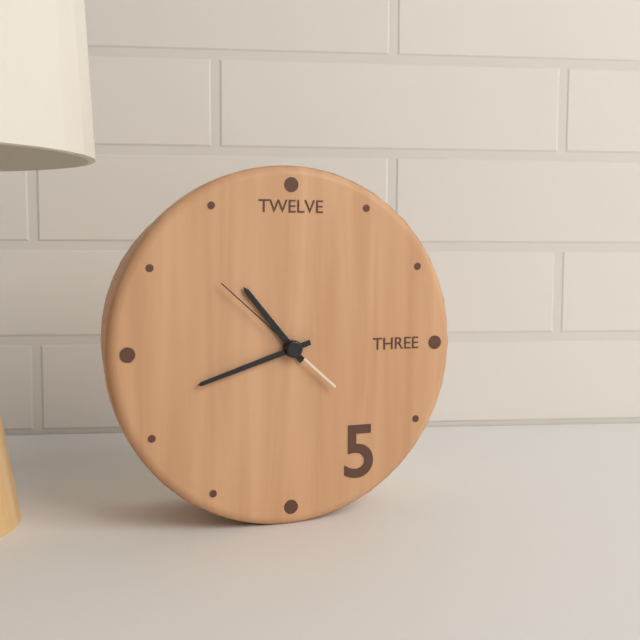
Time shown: **10:42:52**
